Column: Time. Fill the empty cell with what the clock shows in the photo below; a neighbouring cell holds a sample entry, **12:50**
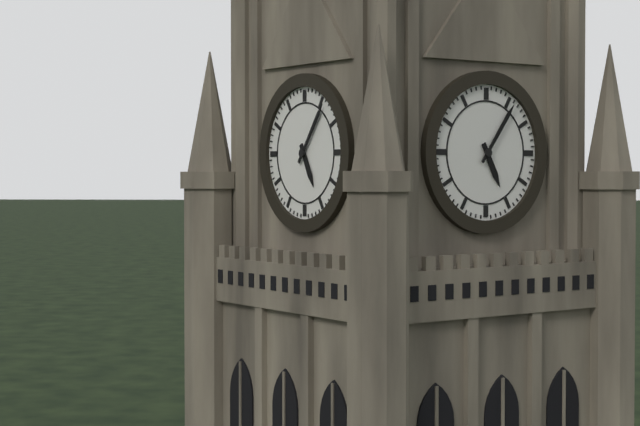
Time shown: **5:06**
